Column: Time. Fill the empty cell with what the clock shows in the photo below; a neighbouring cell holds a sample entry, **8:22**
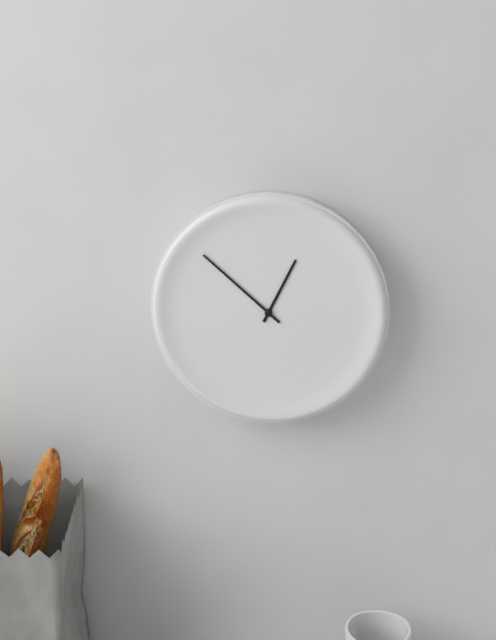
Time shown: **12:52**
